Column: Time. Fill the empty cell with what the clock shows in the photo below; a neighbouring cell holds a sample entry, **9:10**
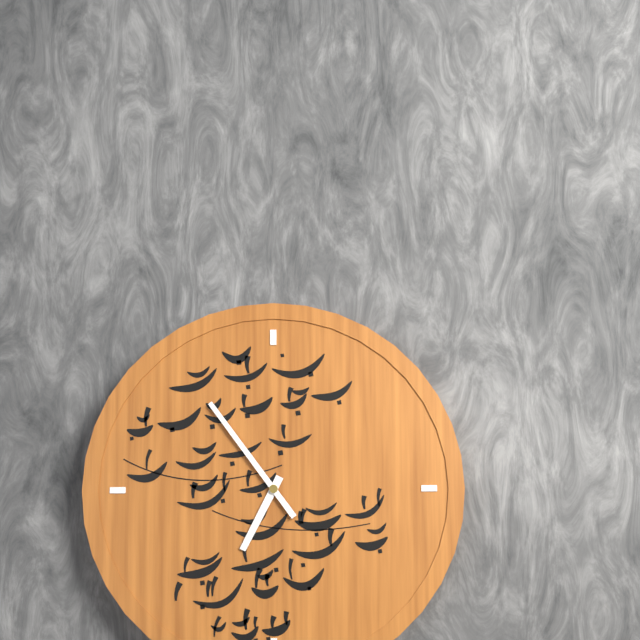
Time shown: **6:54**
